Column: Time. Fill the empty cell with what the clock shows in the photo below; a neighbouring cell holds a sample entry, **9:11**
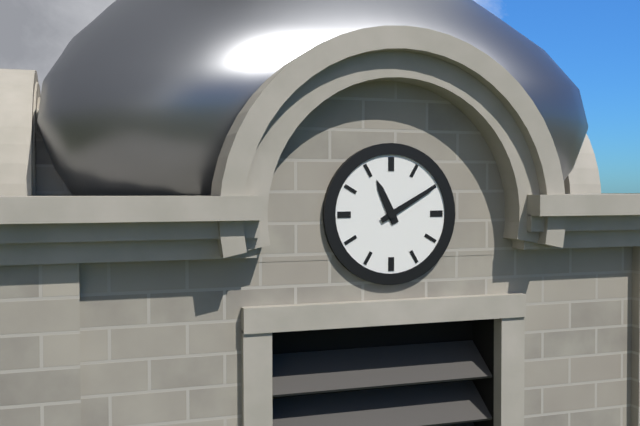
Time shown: **11:10**
